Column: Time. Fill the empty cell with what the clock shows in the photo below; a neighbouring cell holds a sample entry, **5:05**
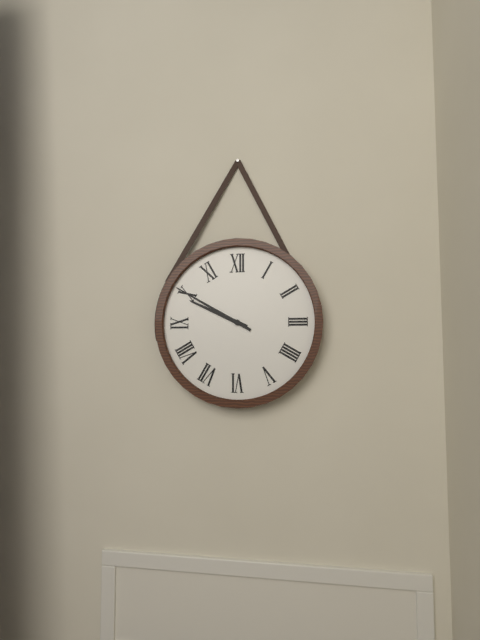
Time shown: **9:50**
